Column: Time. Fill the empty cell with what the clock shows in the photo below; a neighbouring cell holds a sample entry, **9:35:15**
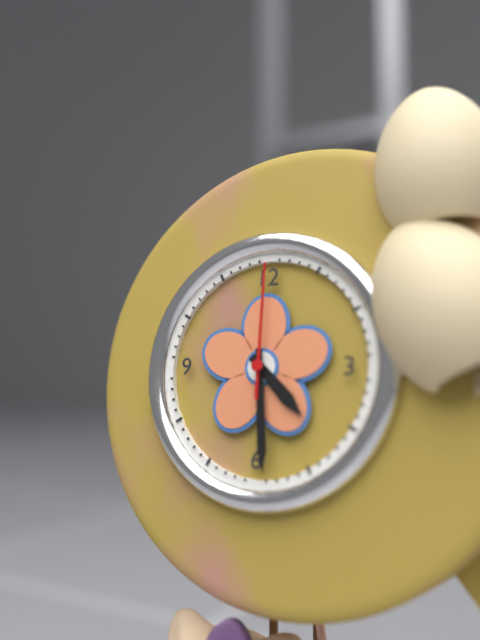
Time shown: **4:29:00**
